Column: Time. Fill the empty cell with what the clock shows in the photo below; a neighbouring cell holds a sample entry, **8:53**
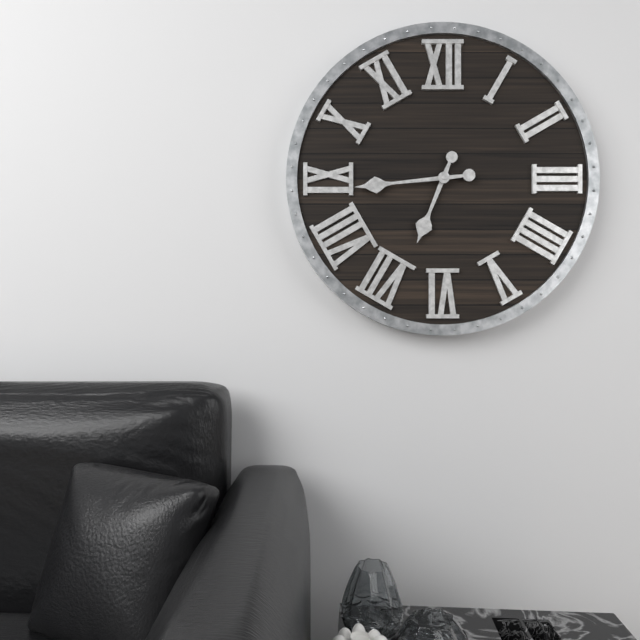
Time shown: **6:44**
